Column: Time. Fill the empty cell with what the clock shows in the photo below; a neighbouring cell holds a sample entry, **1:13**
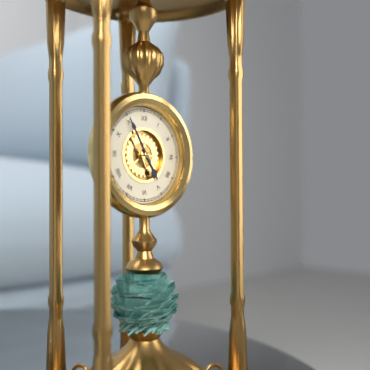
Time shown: **4:55**
